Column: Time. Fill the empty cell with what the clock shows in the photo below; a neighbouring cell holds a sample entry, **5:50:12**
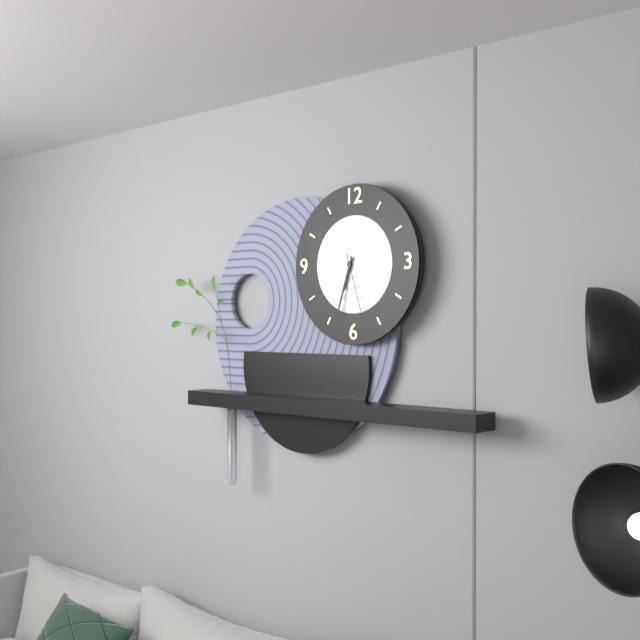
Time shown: **6:33:27**
